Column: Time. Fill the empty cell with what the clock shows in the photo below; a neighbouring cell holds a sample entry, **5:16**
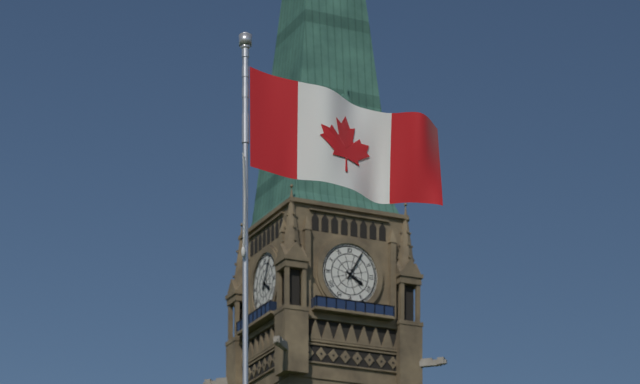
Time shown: **4:05**
